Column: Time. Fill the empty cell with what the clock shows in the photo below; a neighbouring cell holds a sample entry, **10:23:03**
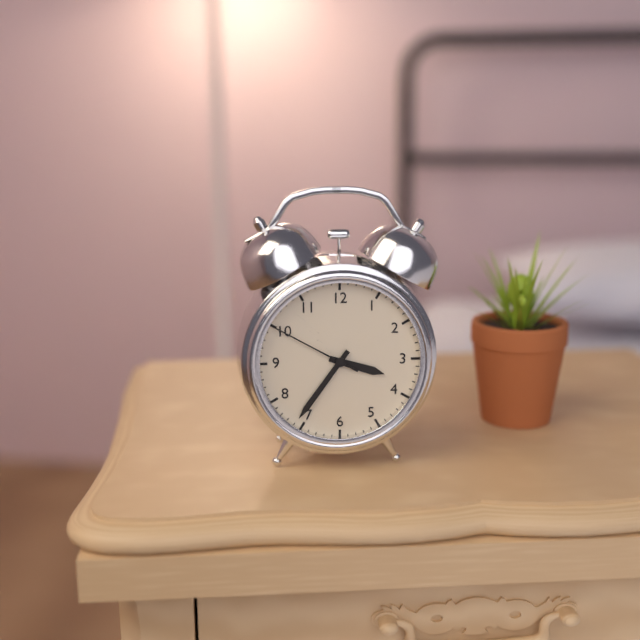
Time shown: **3:36:50**
